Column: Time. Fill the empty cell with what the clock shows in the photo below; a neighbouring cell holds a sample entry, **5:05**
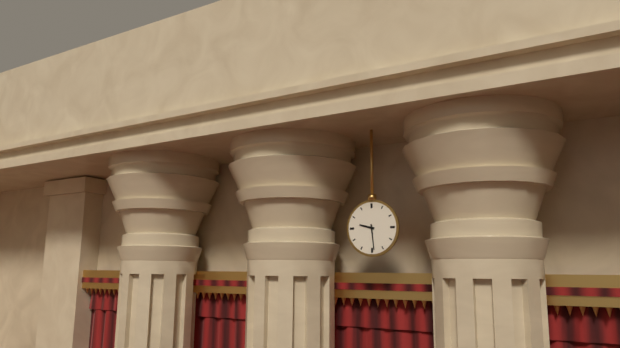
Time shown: **9:29**
